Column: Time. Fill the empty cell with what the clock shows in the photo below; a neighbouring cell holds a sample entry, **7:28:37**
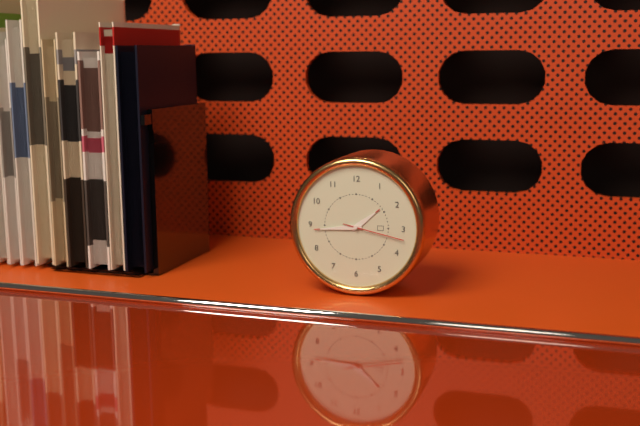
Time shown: **1:44:17**
